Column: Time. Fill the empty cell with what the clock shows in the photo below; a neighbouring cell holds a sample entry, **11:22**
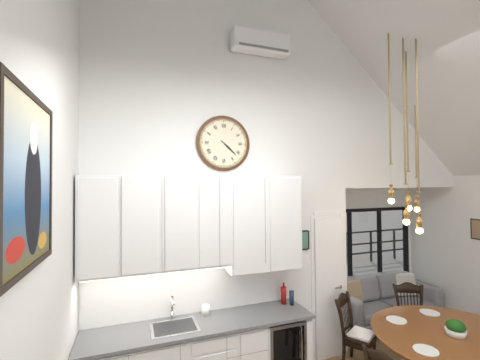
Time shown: **4:22**
